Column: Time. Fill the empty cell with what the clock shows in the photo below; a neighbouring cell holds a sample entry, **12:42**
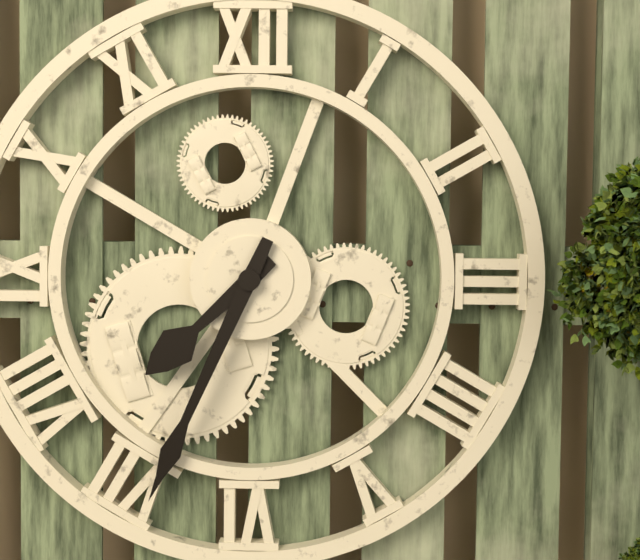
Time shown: **7:34**
